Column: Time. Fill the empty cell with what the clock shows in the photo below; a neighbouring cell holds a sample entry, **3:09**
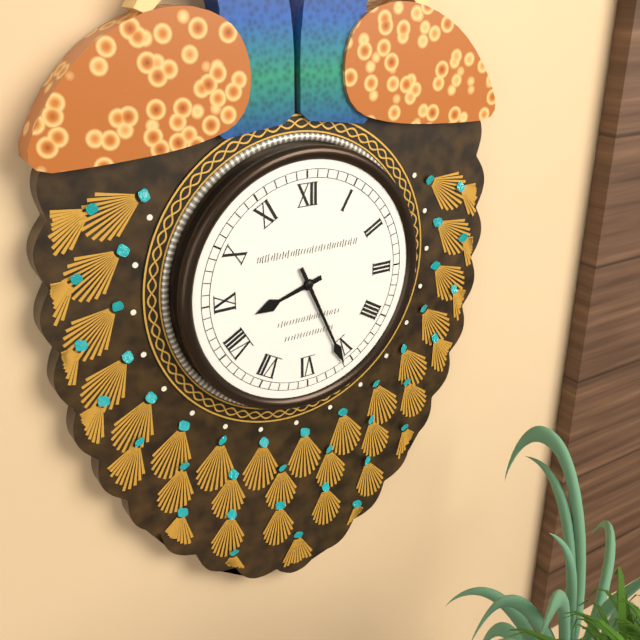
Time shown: **8:26**
